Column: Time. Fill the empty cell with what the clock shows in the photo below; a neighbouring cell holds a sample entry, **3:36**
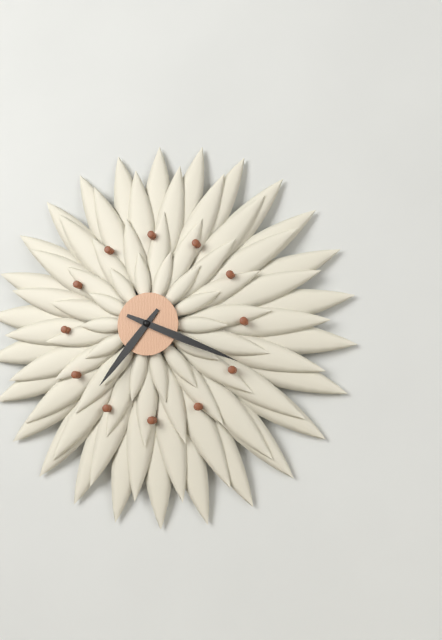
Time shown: **7:19**
